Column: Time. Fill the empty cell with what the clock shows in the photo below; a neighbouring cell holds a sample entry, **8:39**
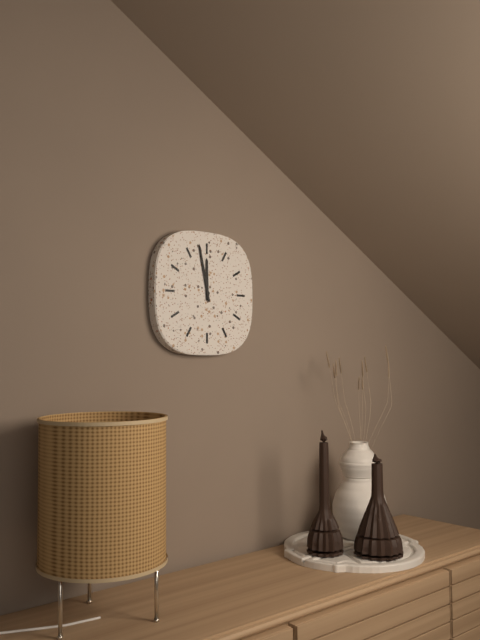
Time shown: **11:58**
